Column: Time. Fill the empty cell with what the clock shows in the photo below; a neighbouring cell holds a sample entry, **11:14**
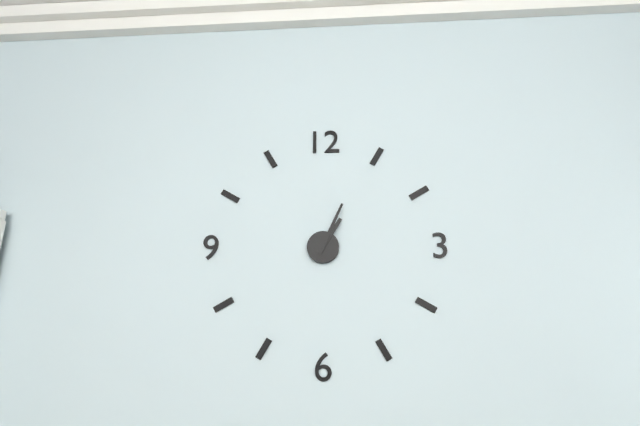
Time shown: **1:04**
